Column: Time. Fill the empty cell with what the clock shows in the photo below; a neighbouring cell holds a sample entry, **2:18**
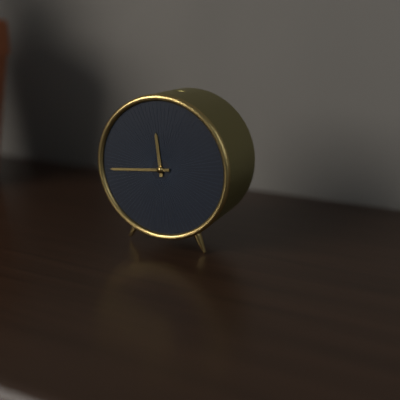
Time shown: **11:44**
